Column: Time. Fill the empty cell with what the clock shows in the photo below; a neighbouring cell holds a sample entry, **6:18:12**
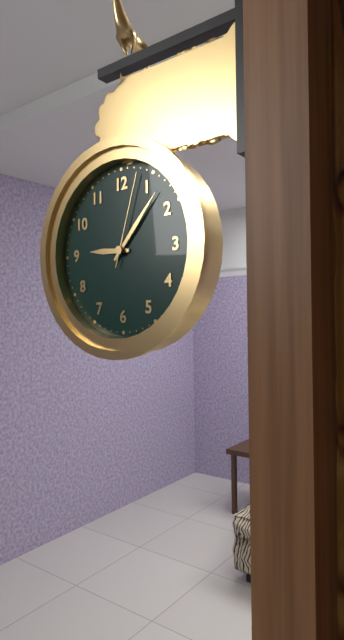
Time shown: **9:07:03**
